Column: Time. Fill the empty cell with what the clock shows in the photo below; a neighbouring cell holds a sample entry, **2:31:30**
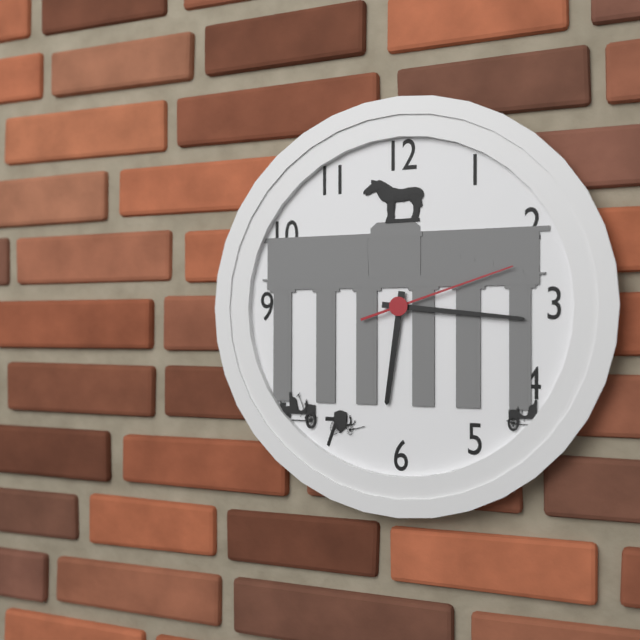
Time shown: **6:16:12**
